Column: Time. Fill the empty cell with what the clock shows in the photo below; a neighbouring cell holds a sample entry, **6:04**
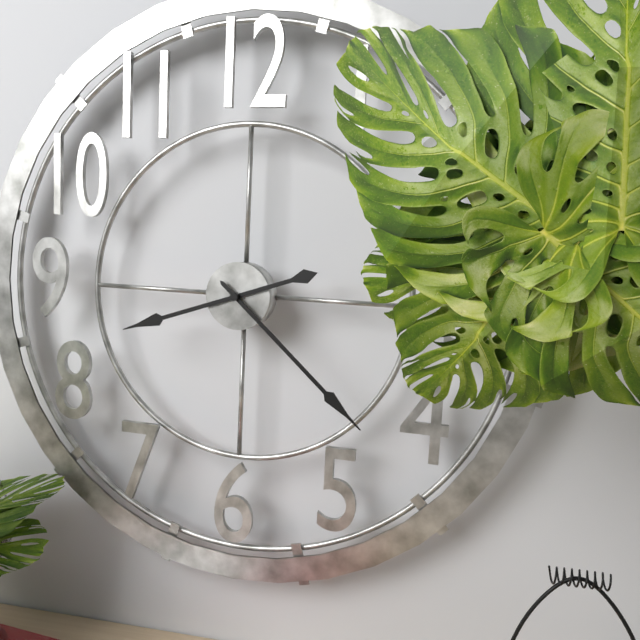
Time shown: **8:22**
